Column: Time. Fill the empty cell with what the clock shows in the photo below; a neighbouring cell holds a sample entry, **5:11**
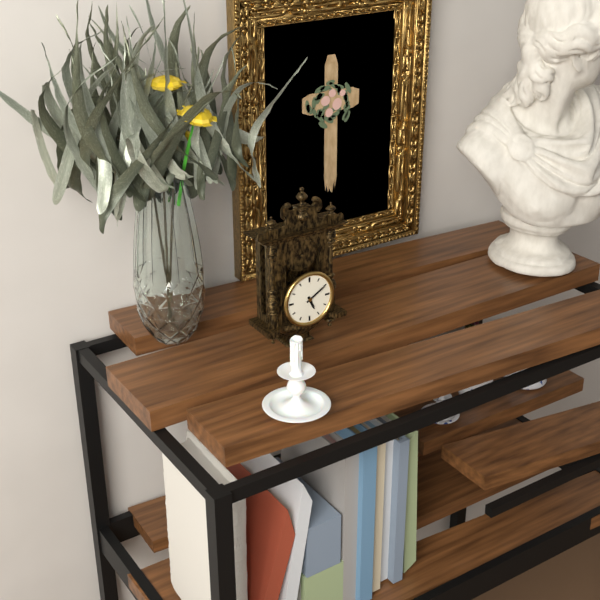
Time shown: **5:10**
